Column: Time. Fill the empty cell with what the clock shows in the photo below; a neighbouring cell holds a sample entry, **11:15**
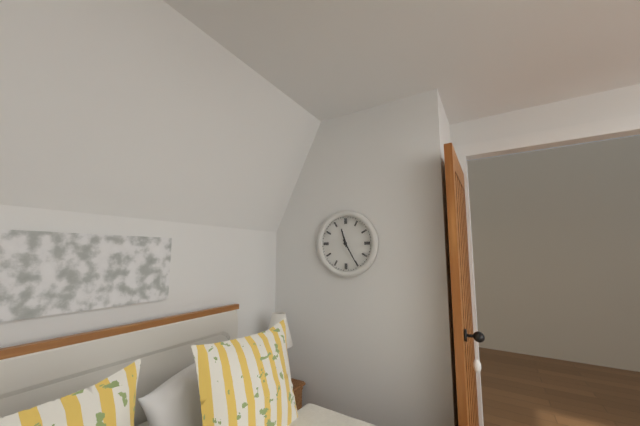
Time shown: **11:25**
